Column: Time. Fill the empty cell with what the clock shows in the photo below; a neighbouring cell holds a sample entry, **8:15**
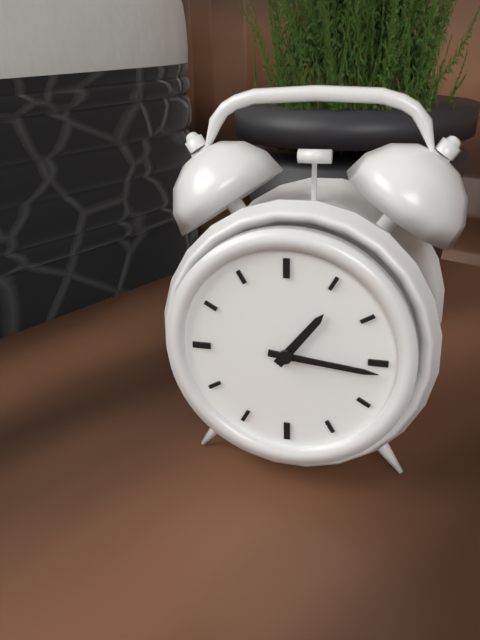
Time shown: **1:16**
